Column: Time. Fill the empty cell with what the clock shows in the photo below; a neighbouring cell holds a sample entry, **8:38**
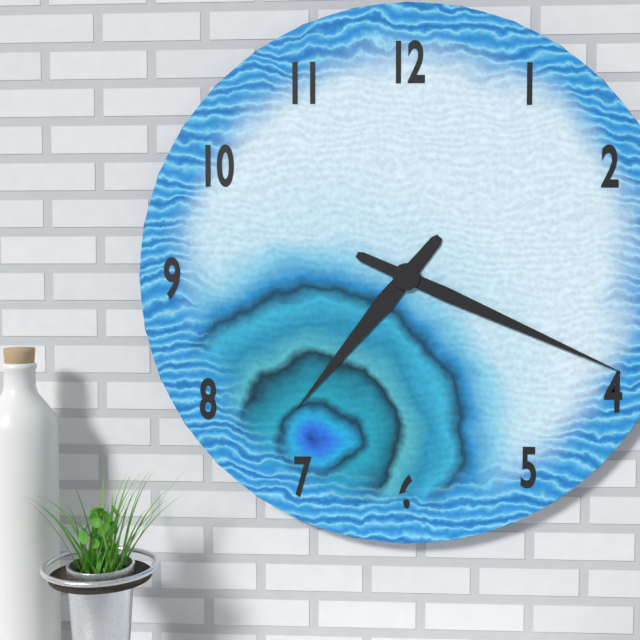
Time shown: **7:19**
